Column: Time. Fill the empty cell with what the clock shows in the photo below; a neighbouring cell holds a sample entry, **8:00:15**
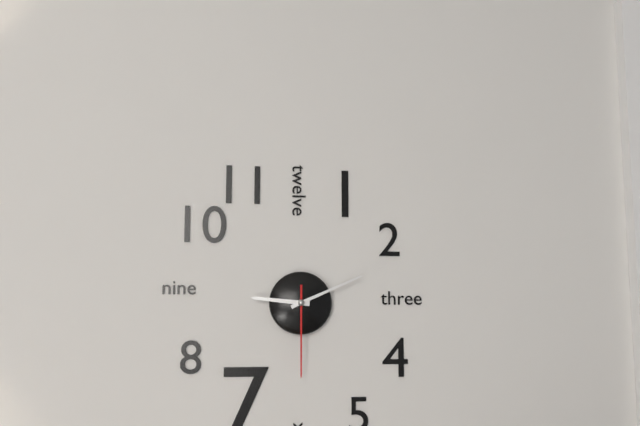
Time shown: **9:11:30**
